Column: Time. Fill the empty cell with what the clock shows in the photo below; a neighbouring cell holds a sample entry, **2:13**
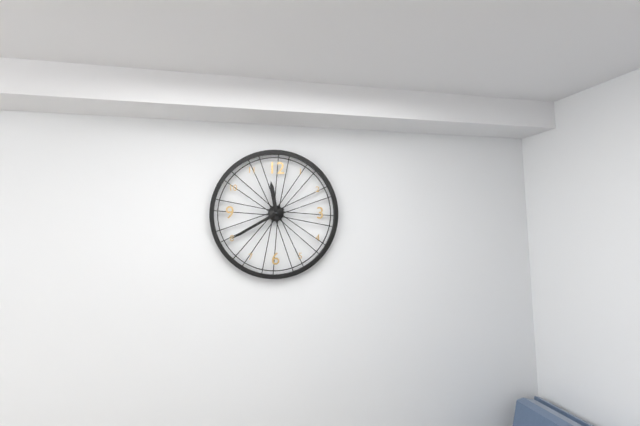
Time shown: **11:40**
